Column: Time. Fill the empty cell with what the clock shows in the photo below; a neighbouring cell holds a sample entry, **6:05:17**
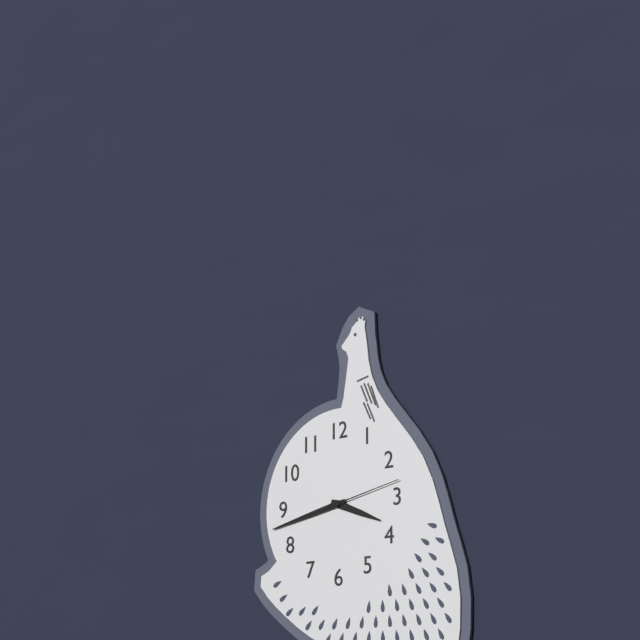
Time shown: **3:43:13**
